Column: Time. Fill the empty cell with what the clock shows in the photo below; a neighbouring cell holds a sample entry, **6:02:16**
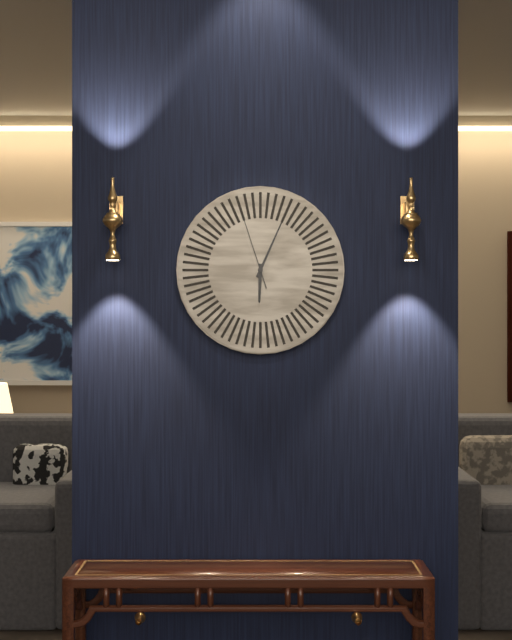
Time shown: **6:04:57**
